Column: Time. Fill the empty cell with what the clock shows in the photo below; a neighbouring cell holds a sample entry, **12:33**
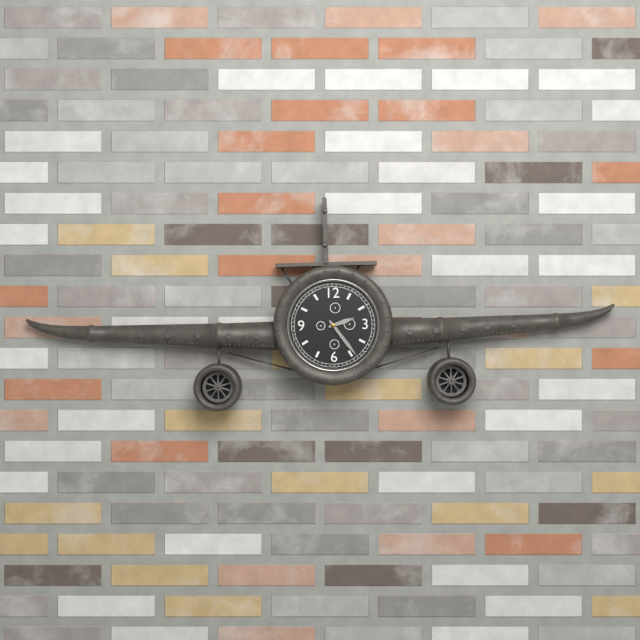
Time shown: **2:24**
